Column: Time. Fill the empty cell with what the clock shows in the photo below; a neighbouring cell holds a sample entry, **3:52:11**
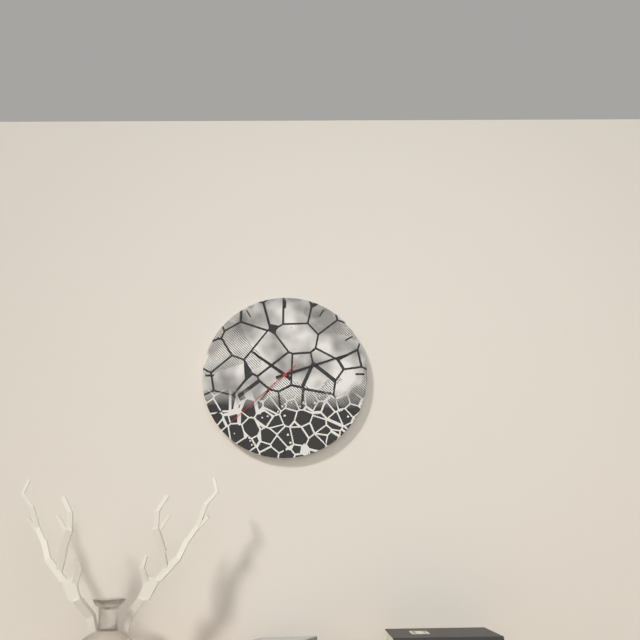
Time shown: **10:12:38**
